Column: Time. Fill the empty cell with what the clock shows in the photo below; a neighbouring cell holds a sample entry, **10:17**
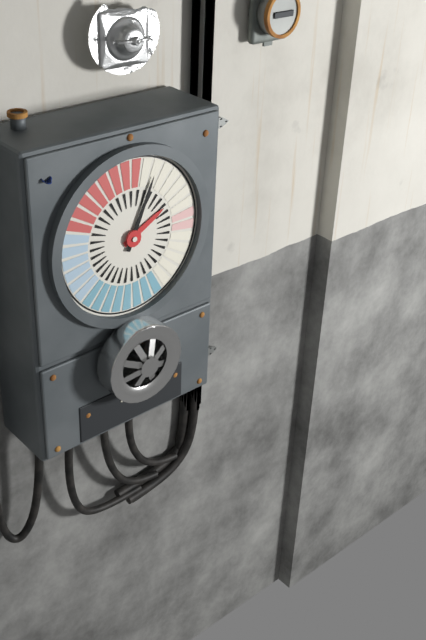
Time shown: **2:04**
